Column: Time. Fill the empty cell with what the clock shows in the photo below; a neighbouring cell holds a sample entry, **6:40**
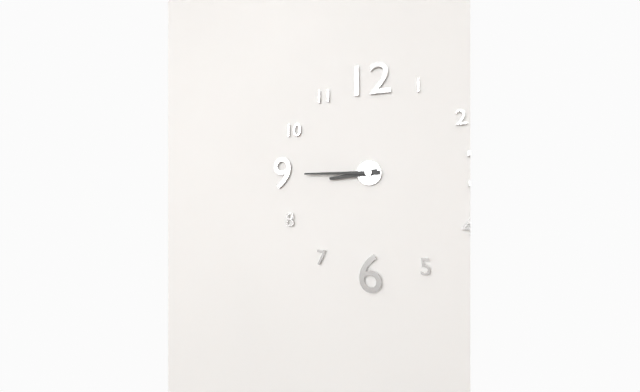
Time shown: **8:45**
